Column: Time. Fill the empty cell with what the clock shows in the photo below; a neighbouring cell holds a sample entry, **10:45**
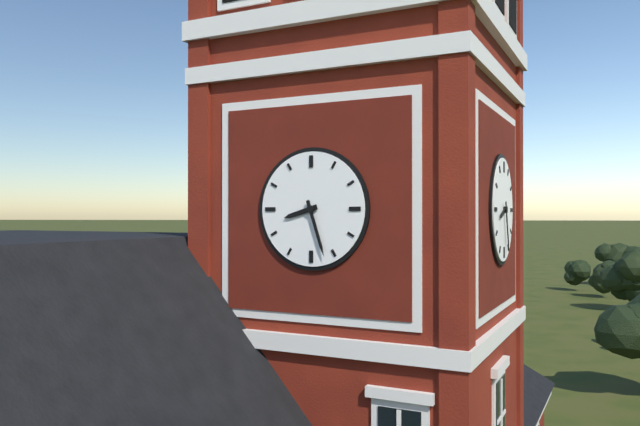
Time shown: **8:27**
